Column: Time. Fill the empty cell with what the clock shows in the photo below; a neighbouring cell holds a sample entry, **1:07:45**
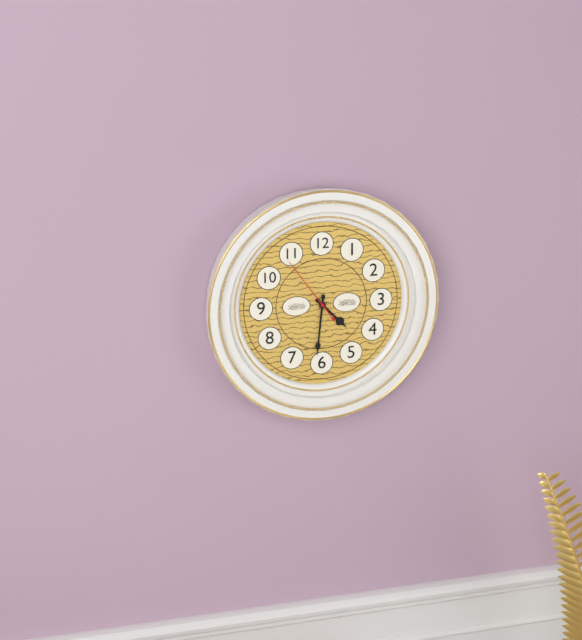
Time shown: **4:31:54**
